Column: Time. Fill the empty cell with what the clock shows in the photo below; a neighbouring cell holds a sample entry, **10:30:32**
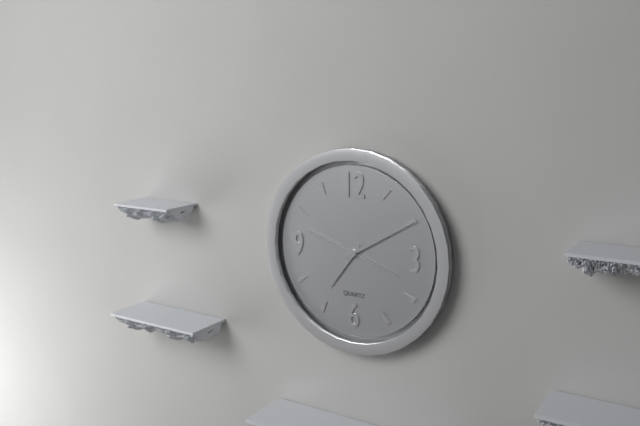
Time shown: **7:10:48**
